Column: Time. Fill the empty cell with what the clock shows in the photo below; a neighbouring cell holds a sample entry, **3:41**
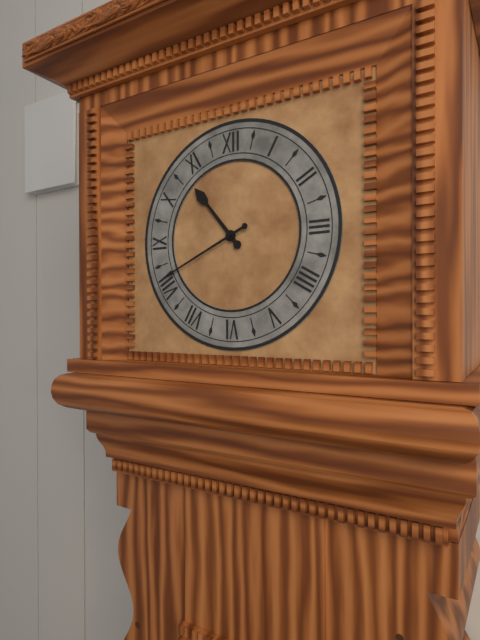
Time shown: **10:41**
